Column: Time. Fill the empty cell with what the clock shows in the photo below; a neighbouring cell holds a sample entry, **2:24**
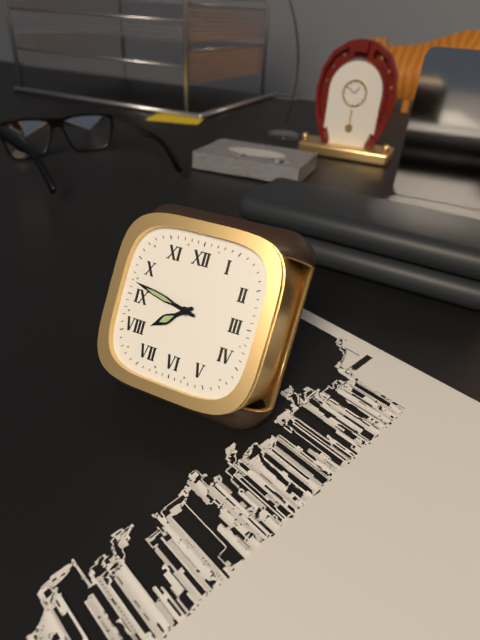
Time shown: **7:47**
